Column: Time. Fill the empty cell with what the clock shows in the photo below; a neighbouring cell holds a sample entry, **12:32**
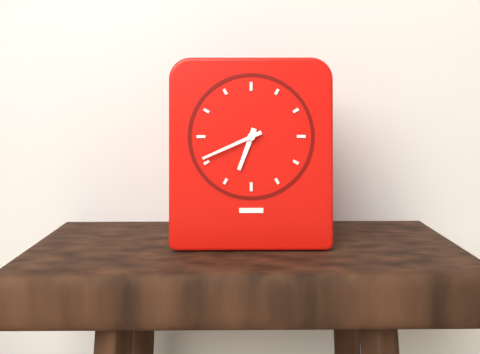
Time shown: **6:41**
